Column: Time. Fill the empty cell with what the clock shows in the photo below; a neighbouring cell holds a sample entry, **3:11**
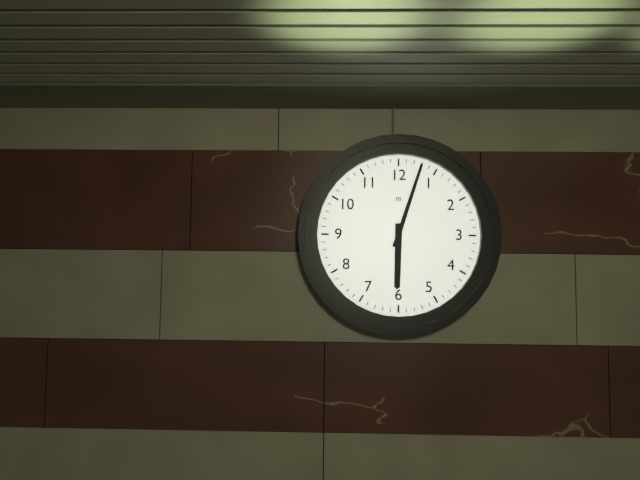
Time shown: **6:03**
